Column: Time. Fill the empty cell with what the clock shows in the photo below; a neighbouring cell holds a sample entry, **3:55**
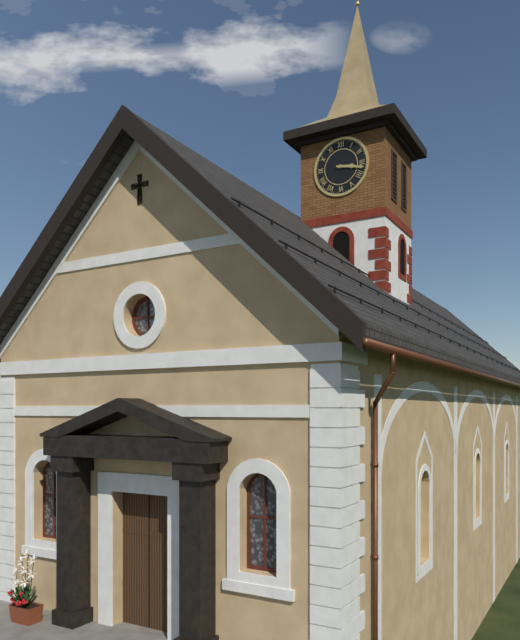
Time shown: **3:17**
